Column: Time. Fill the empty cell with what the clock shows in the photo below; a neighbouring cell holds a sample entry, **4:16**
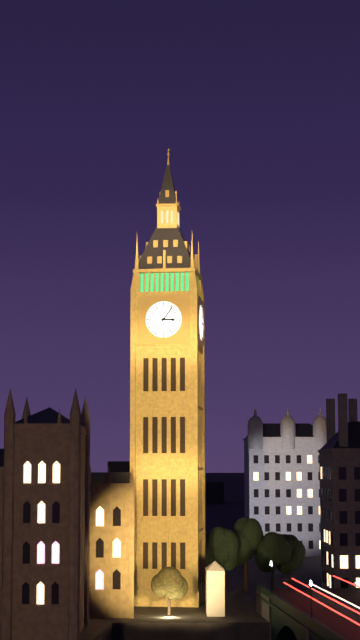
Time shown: **3:06**
